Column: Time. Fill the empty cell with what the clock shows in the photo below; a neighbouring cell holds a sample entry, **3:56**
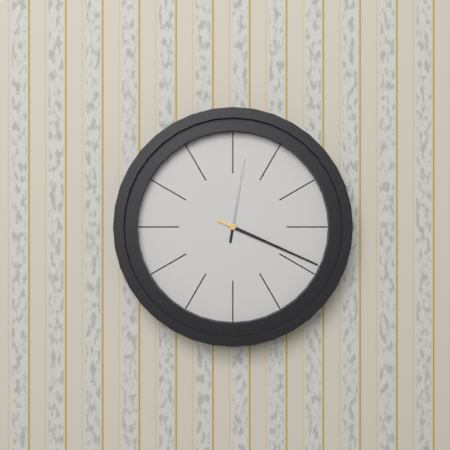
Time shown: **12:19**
